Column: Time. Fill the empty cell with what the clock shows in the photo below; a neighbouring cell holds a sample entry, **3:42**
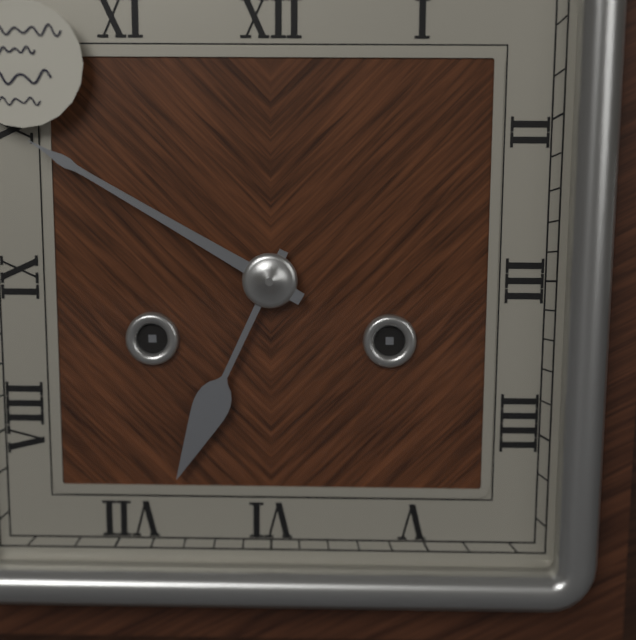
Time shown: **6:50**
